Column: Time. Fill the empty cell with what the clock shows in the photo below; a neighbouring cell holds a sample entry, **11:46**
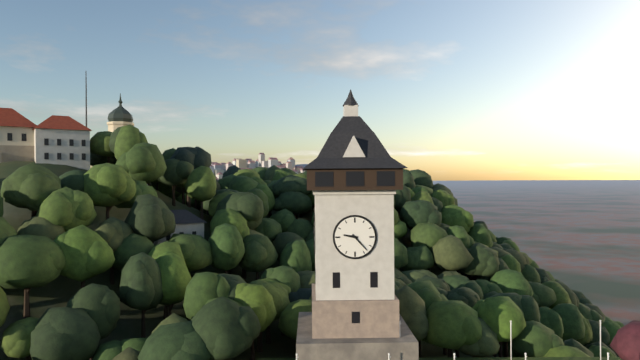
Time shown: **9:23**
